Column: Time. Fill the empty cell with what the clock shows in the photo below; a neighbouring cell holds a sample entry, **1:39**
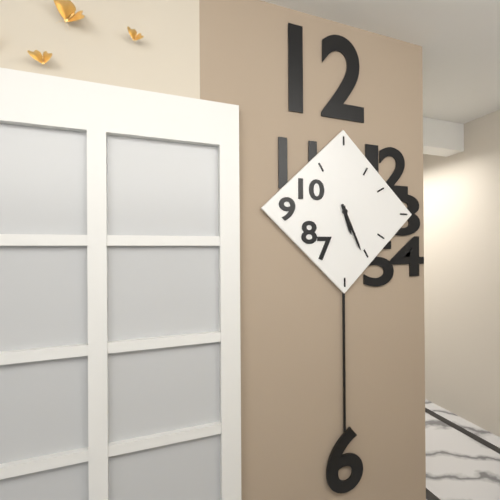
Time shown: **5:26**
